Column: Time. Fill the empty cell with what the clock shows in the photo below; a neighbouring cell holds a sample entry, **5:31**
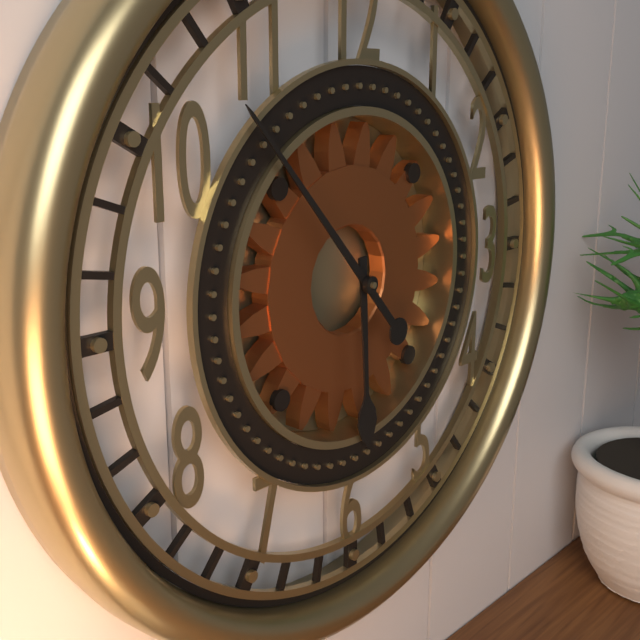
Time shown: **5:53**
